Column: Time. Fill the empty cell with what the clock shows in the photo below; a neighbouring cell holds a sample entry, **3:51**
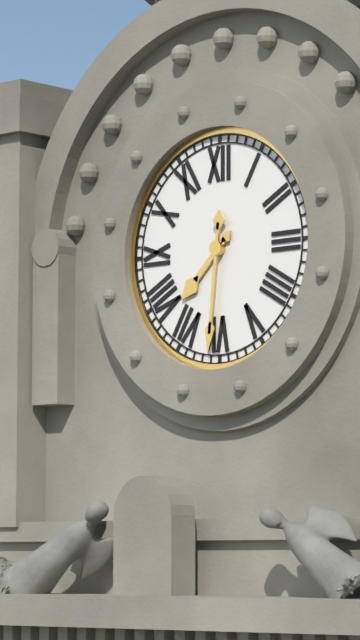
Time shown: **7:31**
